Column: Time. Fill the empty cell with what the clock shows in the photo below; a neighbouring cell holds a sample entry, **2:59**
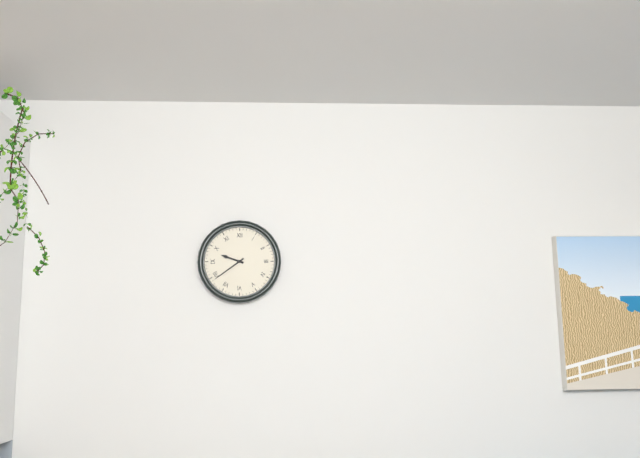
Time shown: **9:39**
